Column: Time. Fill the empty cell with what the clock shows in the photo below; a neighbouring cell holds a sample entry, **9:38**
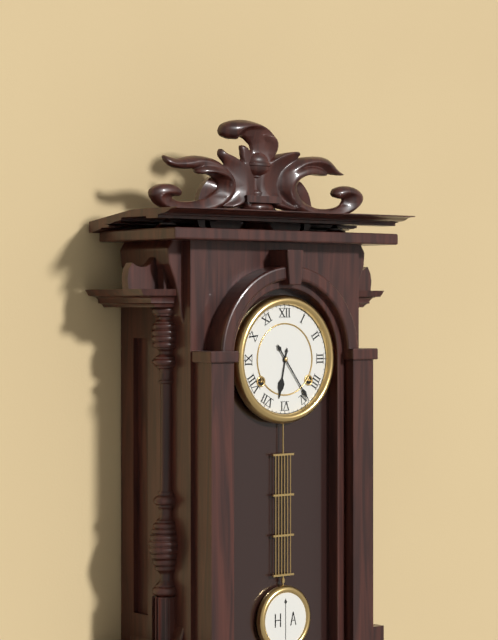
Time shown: **6:24**
